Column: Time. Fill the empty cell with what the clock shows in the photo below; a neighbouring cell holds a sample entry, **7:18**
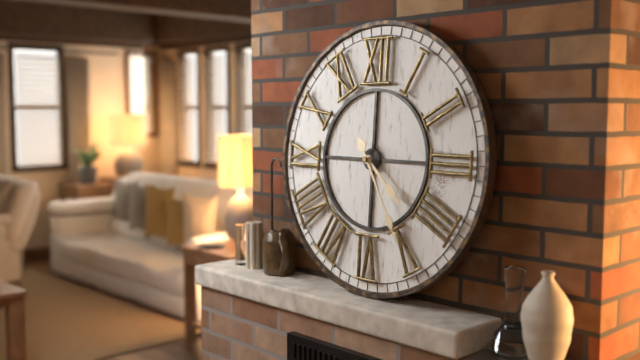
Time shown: **4:25**
